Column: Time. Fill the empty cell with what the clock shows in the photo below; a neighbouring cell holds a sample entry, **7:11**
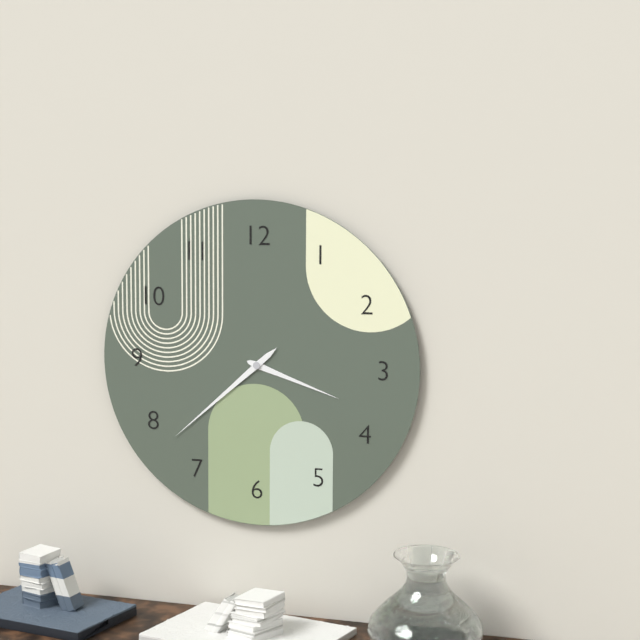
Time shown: **3:38**
